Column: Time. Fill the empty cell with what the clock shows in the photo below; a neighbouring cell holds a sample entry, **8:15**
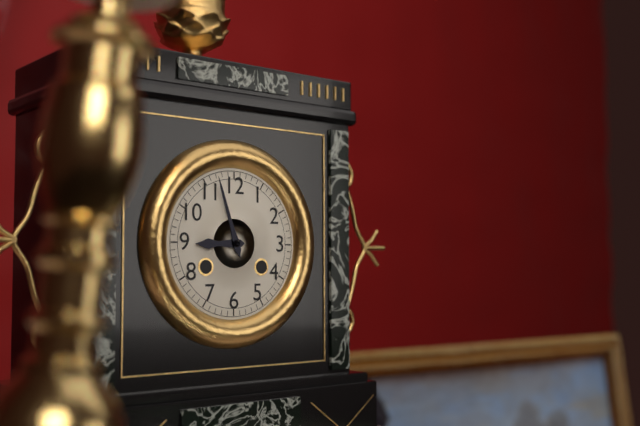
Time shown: **8:57**
